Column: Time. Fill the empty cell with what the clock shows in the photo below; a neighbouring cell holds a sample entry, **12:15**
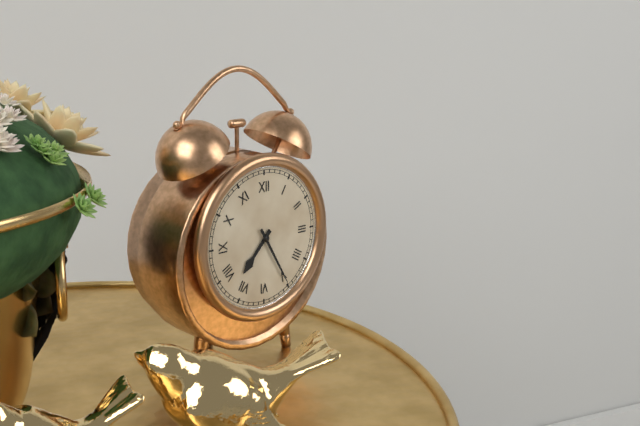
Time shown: **7:25**
